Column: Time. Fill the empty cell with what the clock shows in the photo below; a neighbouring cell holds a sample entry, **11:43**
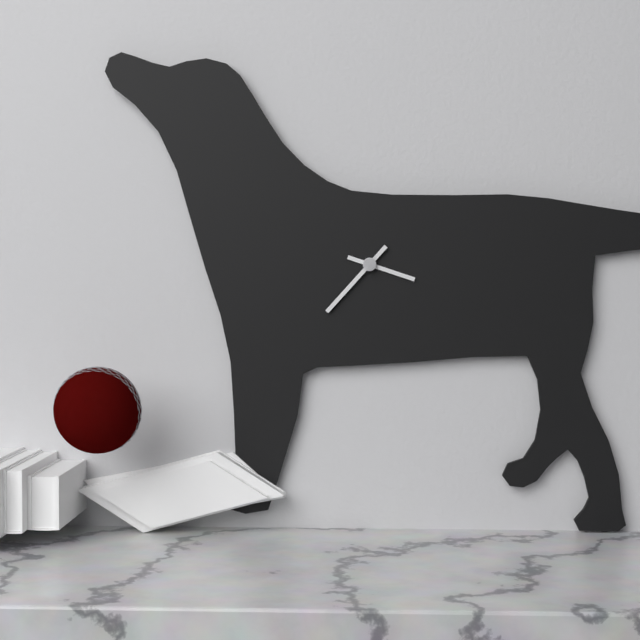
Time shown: **3:37**
